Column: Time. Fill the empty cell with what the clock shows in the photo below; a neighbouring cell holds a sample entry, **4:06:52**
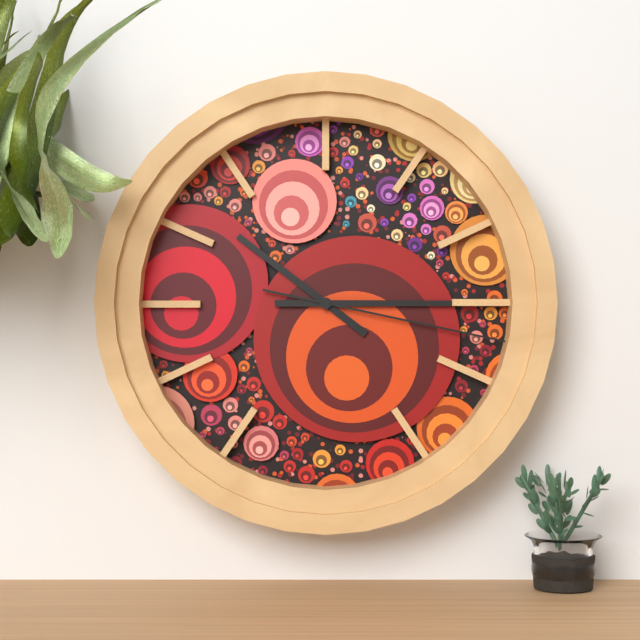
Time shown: **10:15:17**
